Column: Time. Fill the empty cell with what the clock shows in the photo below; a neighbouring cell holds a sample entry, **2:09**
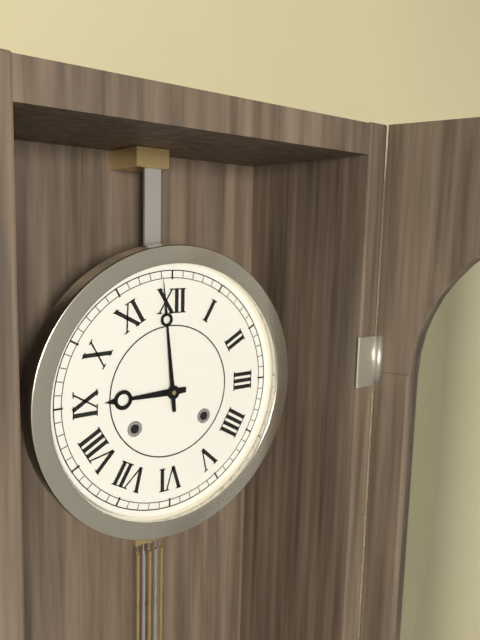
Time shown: **8:59**
